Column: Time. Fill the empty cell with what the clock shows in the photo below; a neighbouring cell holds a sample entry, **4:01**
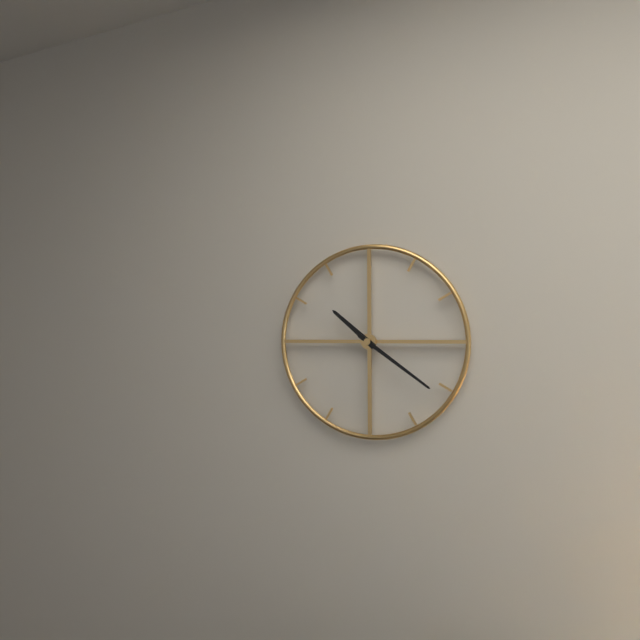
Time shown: **10:21**
